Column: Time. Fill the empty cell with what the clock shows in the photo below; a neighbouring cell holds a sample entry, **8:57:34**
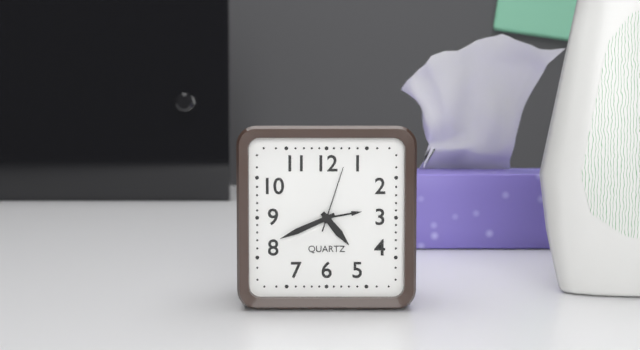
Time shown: **4:41:03**
